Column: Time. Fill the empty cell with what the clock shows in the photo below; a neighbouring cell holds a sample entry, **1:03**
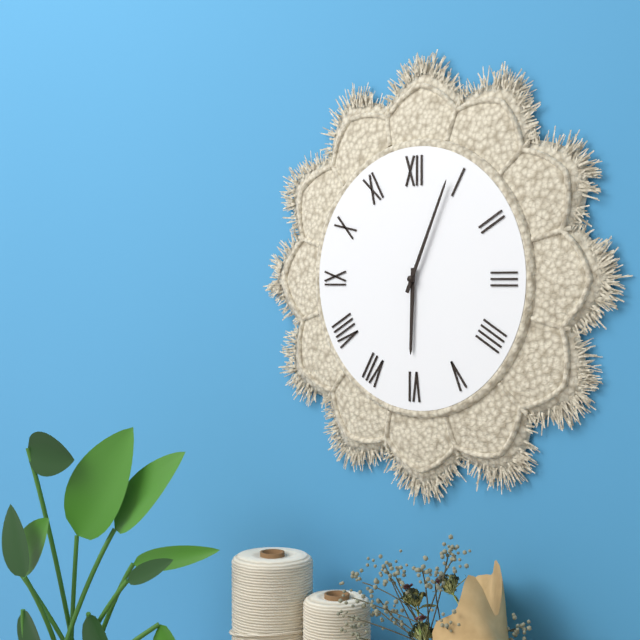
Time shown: **6:04**
